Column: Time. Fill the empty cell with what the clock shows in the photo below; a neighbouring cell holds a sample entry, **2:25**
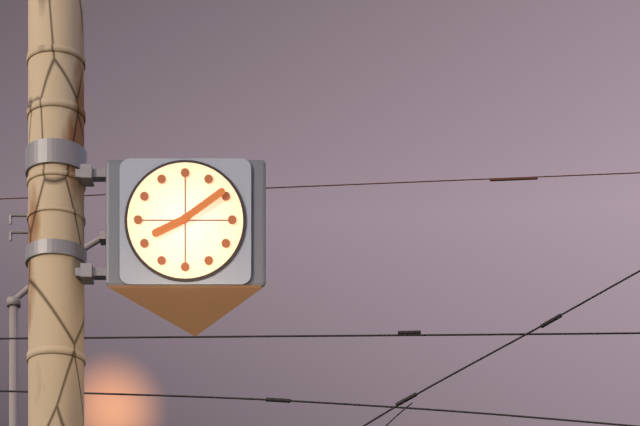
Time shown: **8:09**
